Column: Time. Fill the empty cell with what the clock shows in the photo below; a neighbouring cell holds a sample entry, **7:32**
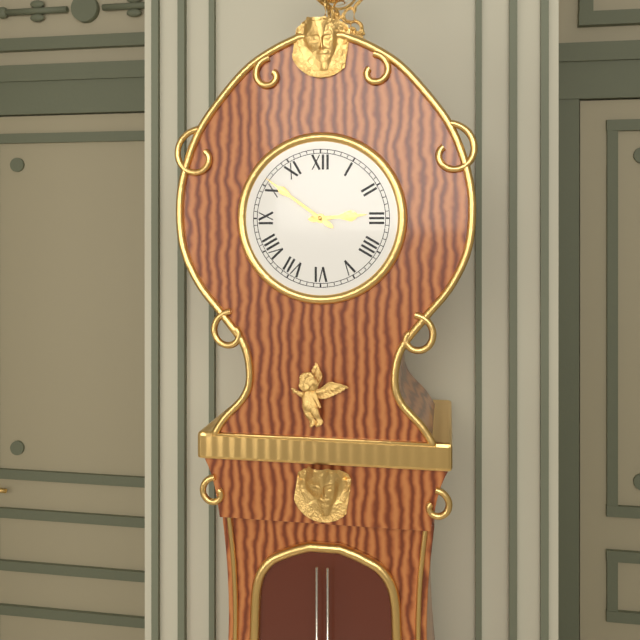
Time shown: **2:51**
